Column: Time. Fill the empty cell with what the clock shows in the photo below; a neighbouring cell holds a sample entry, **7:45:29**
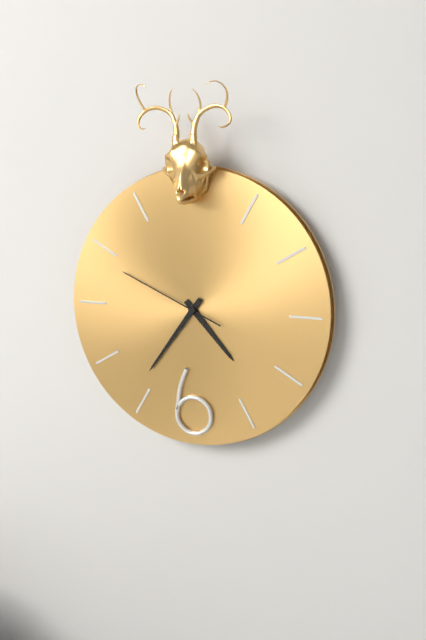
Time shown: **4:36:49**
